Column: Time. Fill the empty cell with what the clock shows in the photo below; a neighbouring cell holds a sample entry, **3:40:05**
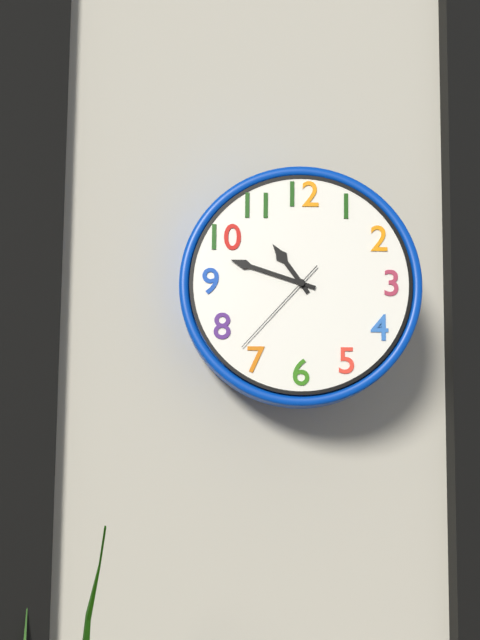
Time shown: **10:48:37**
